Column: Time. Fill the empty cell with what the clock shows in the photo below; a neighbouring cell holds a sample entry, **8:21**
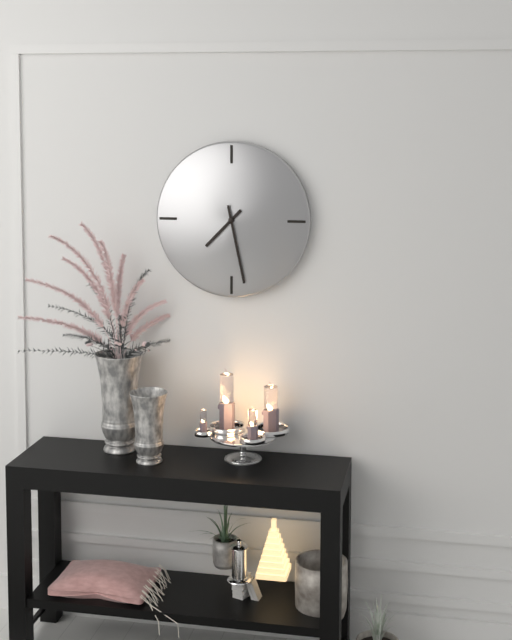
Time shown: **7:28**
